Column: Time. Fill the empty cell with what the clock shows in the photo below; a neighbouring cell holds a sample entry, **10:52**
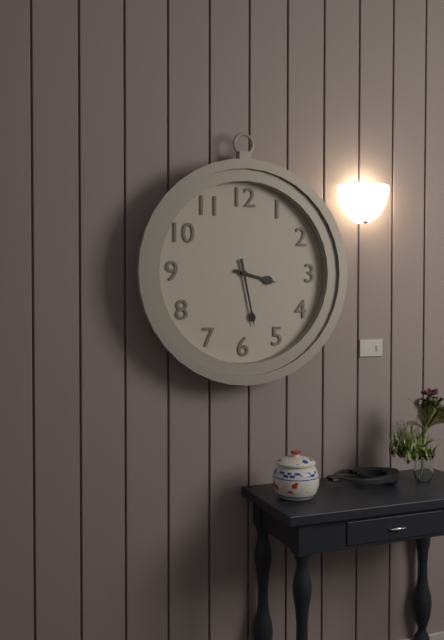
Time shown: **3:28**
